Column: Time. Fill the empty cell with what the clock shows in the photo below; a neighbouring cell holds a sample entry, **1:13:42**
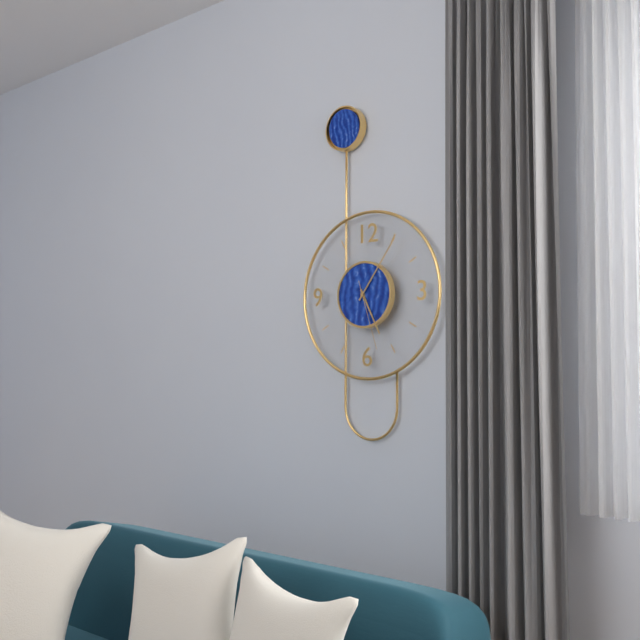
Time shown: **5:06:27**
